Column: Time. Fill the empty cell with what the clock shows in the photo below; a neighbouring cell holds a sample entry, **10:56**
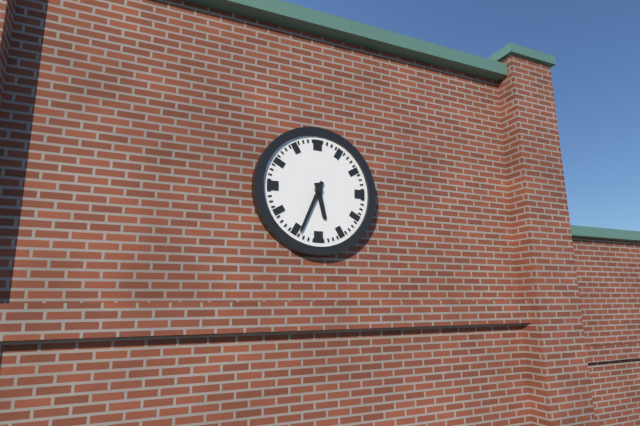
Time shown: **5:34**
